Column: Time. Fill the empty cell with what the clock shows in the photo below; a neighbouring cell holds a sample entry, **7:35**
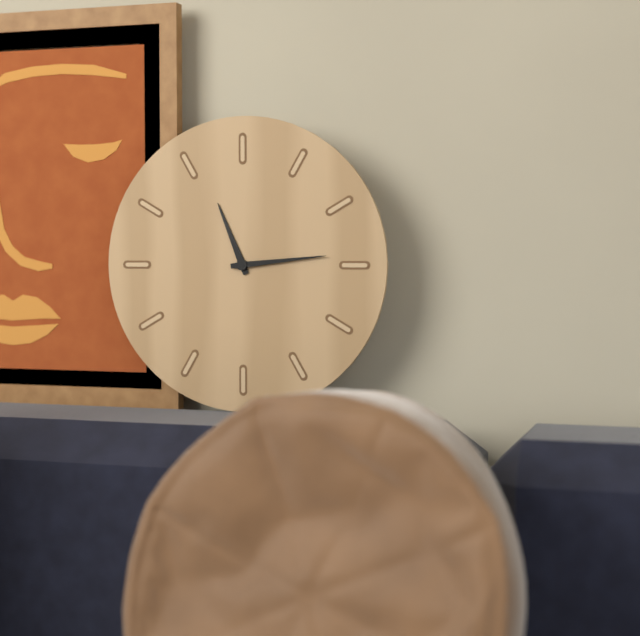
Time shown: **11:14**
